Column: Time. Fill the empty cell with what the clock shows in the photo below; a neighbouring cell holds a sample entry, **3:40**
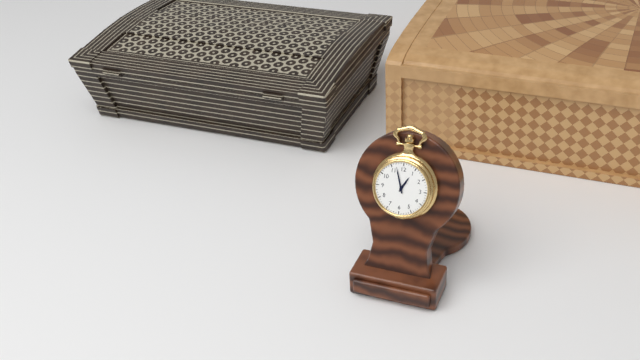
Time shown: **12:57**
